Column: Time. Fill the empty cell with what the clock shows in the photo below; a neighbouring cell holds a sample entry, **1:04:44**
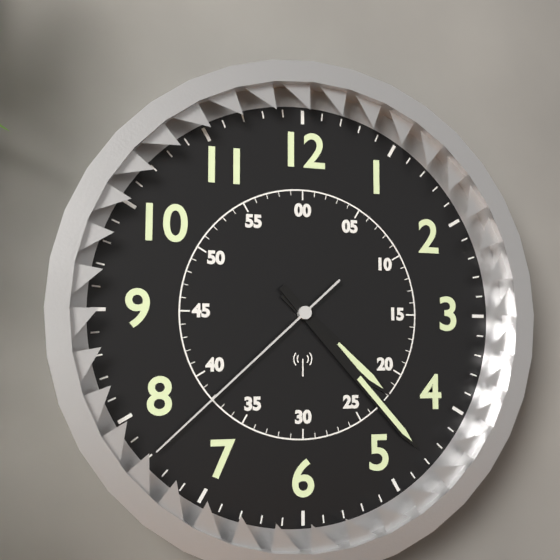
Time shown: **4:23:38**
